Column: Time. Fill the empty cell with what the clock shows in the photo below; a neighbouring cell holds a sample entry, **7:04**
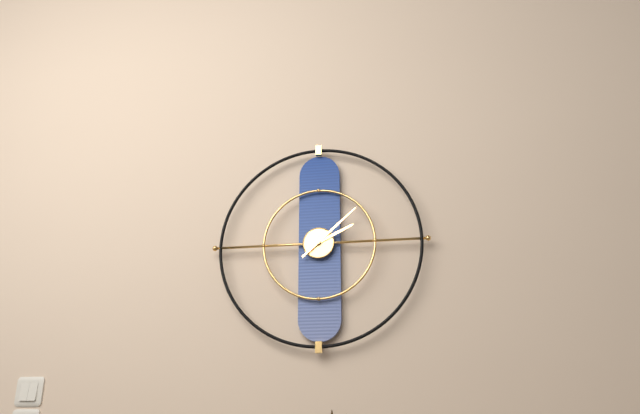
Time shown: **2:08**
